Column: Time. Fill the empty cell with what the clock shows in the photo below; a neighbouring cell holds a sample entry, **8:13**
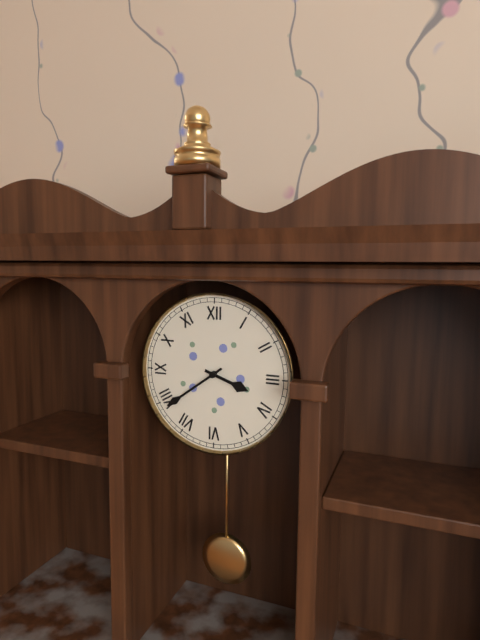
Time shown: **3:39**
